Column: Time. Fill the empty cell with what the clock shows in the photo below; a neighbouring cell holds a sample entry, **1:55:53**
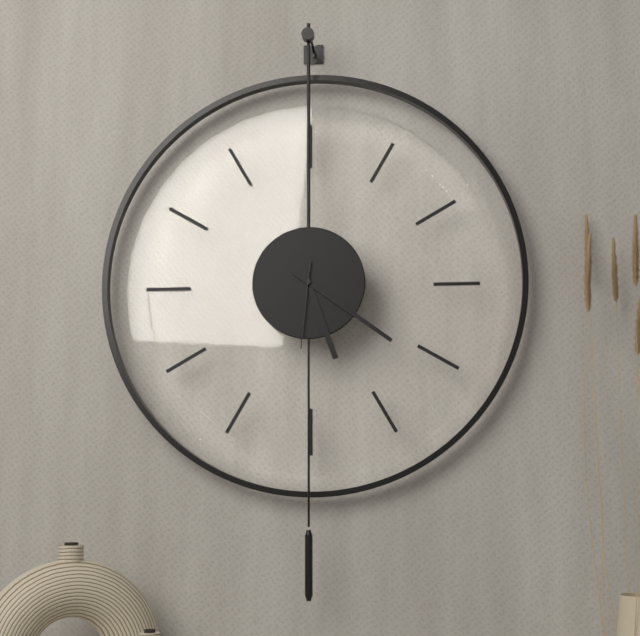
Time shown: **5:21:31**
